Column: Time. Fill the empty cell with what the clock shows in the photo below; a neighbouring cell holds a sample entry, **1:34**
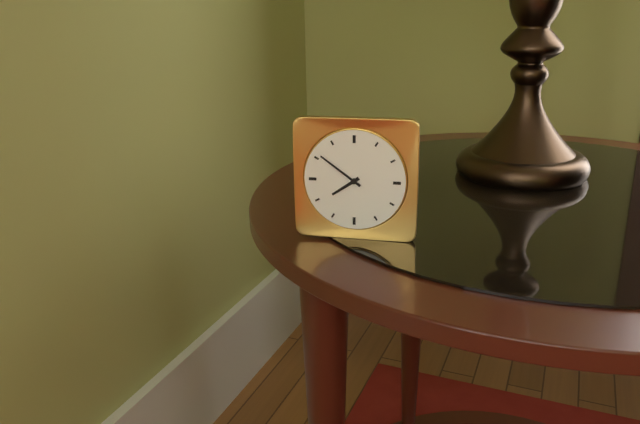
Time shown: **7:51**
